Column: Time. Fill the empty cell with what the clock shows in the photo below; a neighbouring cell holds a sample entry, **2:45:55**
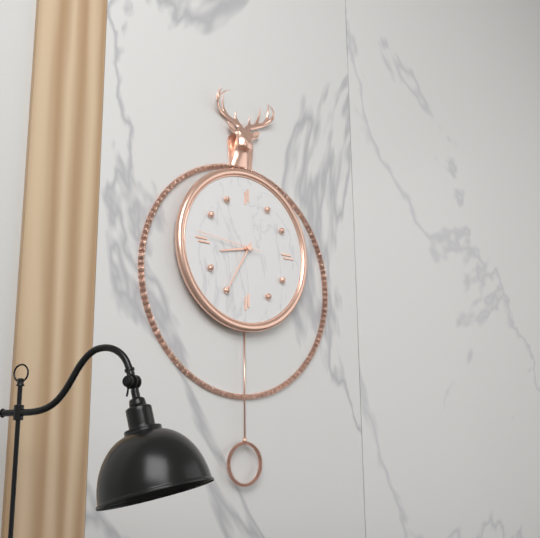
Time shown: **8:35:46**
